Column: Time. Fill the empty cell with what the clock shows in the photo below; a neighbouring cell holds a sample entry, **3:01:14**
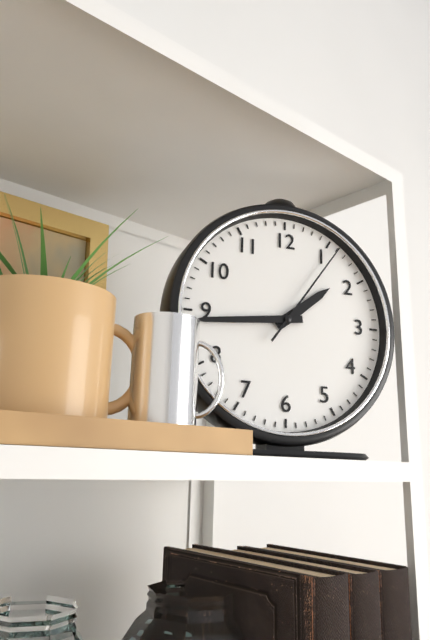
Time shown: **1:44:06**
